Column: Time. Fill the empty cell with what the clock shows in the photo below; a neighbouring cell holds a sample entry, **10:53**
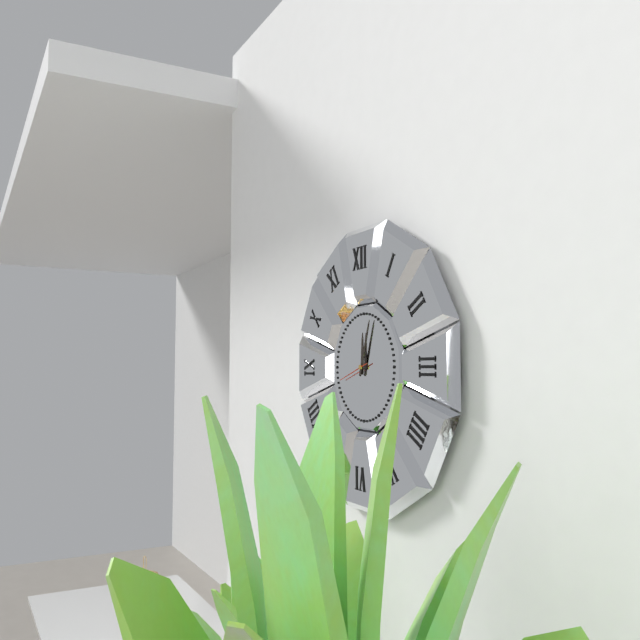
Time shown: **12:03**
